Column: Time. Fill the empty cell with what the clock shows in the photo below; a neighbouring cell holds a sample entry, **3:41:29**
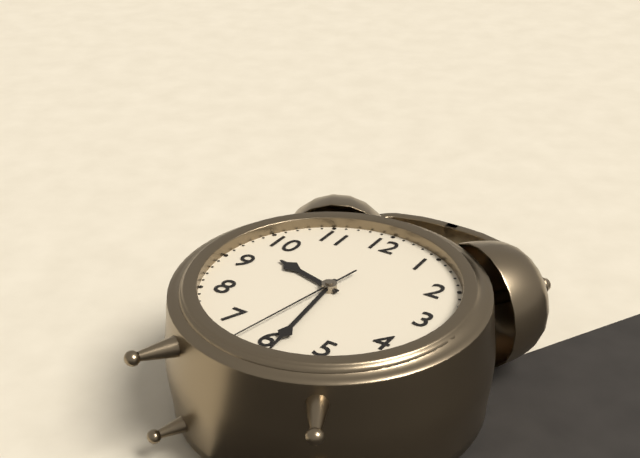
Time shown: **9:29:32**
